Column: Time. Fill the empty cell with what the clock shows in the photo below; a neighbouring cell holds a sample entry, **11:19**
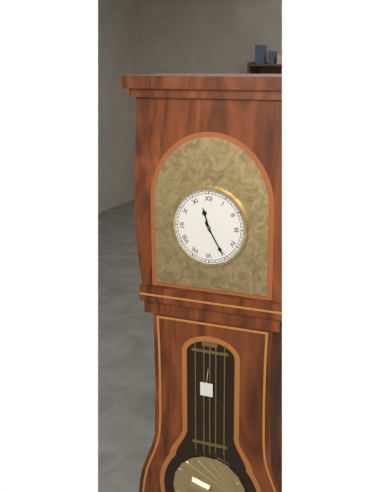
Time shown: **11:25**
